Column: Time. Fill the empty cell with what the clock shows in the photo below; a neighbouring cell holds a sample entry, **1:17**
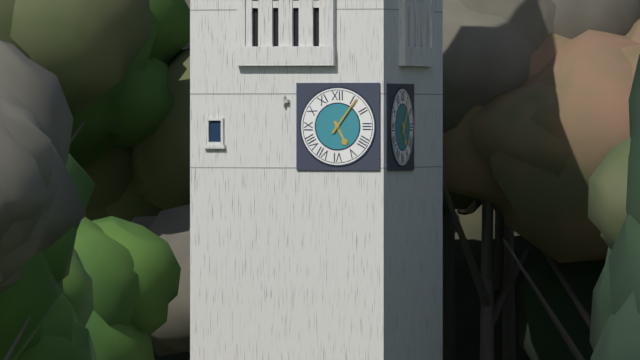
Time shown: **5:06**
